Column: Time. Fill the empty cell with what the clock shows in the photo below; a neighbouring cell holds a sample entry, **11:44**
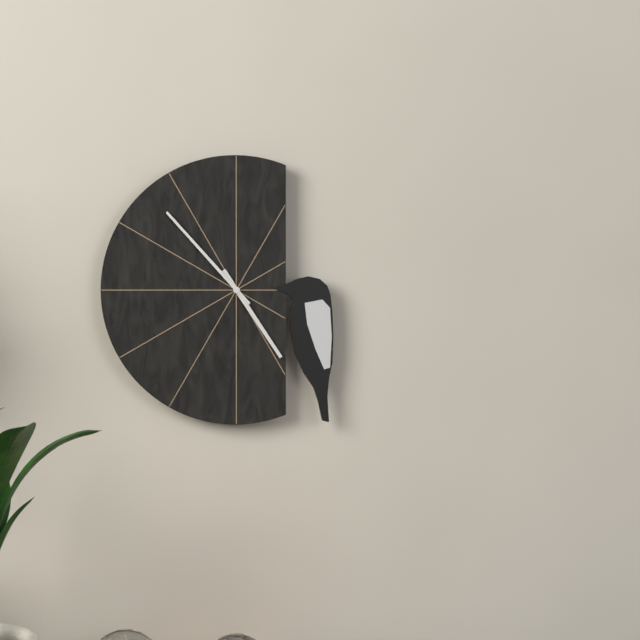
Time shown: **4:53**
